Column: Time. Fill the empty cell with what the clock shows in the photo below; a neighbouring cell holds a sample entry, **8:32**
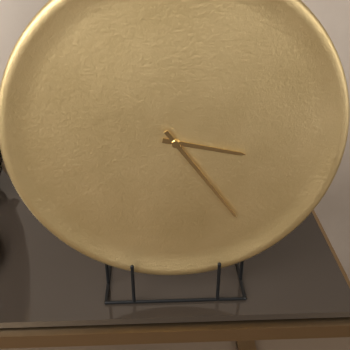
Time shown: **3:24**
